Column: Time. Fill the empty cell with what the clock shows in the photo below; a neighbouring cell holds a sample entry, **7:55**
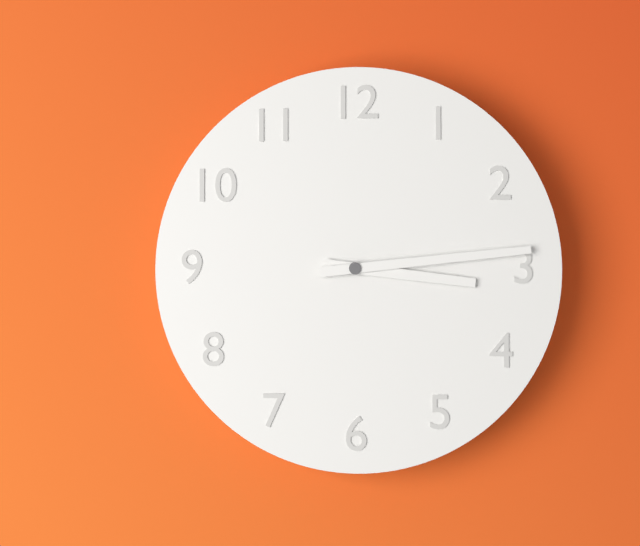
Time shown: **3:14**
